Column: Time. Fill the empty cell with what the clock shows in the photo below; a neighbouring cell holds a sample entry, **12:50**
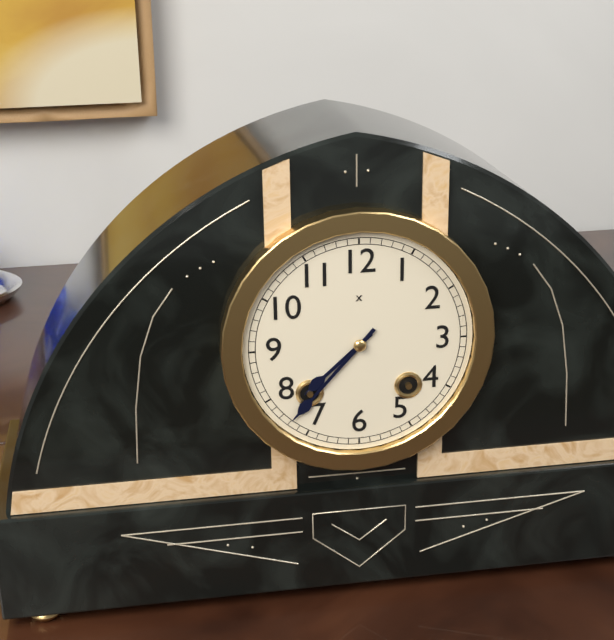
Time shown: **7:37**
